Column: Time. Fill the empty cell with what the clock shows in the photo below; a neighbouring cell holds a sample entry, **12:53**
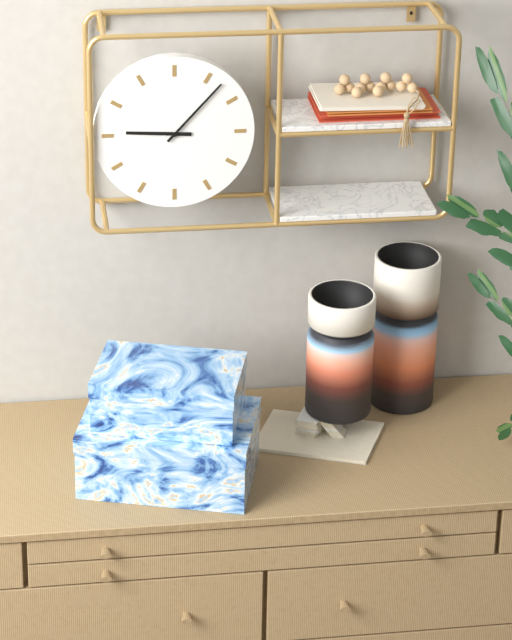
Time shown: **9:07**
